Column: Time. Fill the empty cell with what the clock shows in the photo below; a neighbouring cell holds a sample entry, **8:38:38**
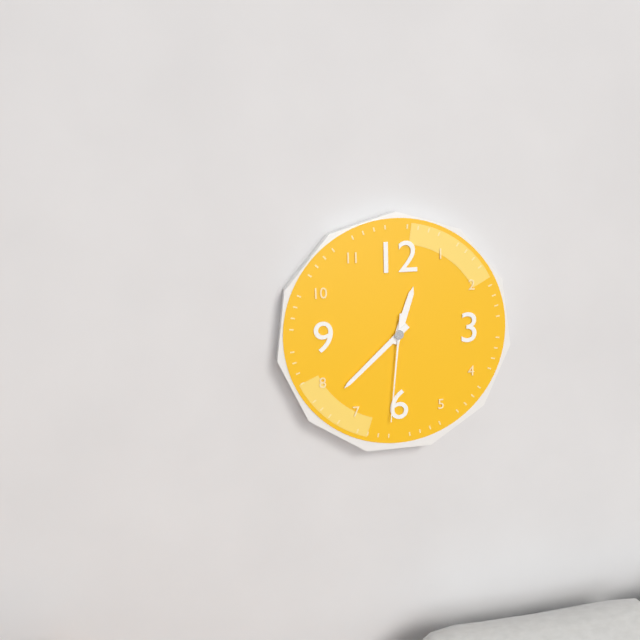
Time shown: **12:38:31**
